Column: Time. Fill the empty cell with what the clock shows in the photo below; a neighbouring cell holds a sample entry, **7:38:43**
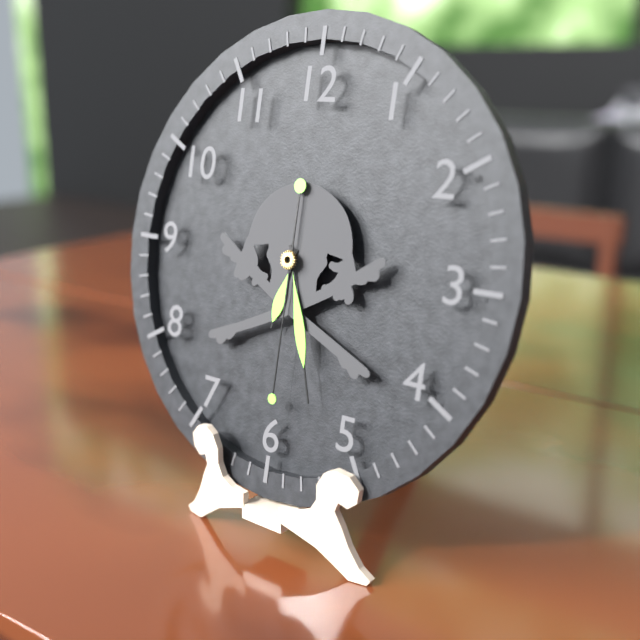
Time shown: **6:27:30**
